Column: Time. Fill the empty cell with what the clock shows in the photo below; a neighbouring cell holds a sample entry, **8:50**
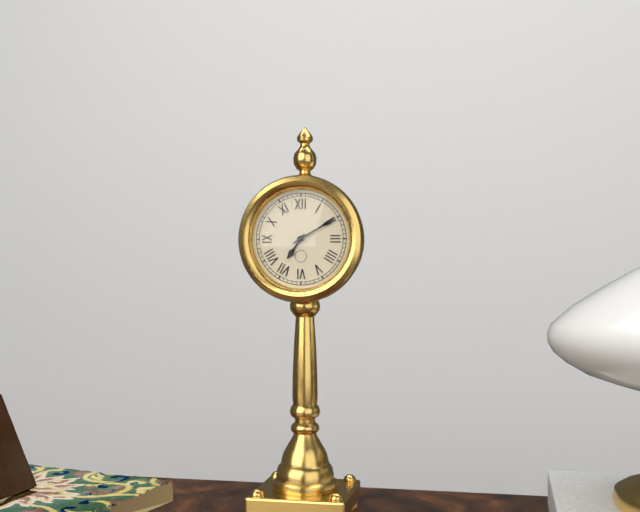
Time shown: **7:10**
